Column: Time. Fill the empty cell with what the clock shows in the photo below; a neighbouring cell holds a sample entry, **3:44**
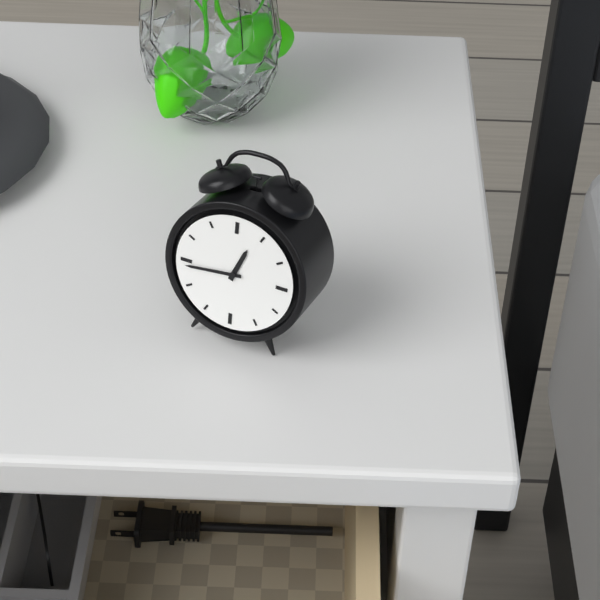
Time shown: **12:44**
